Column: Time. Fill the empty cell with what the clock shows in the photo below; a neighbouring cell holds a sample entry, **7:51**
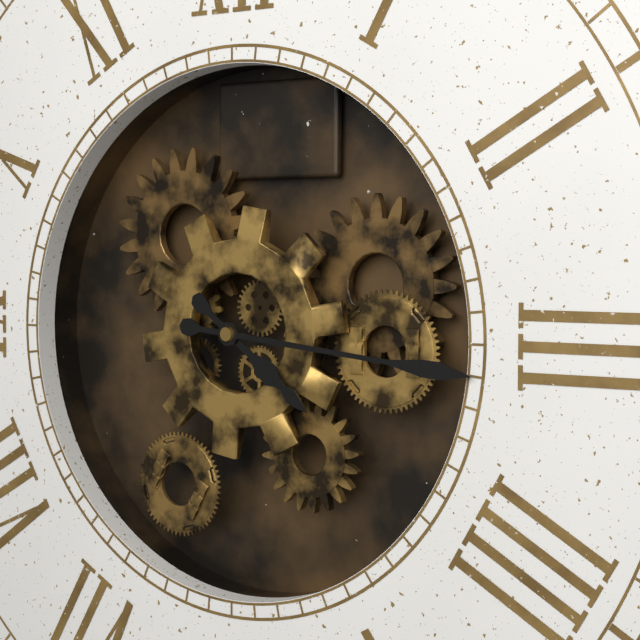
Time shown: **4:16**
